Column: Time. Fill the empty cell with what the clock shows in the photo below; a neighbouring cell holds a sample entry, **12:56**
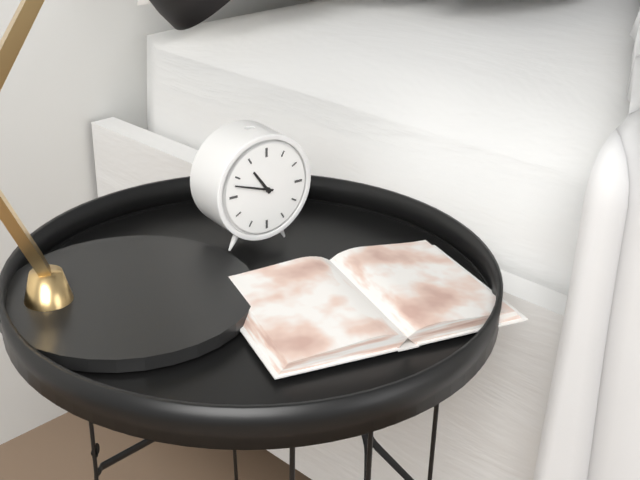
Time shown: **10:48**
